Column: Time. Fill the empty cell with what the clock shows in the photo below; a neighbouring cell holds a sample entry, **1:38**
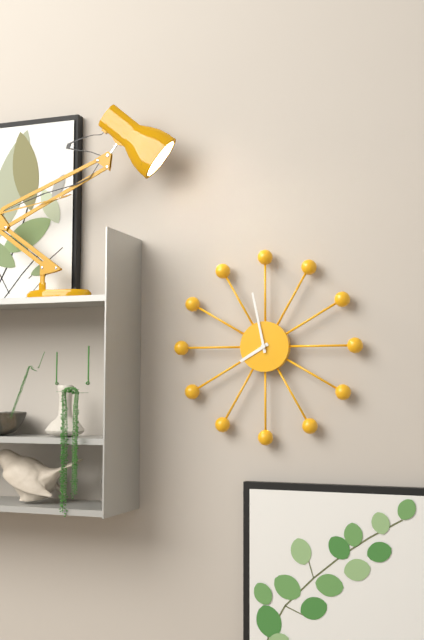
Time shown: **7:58**
